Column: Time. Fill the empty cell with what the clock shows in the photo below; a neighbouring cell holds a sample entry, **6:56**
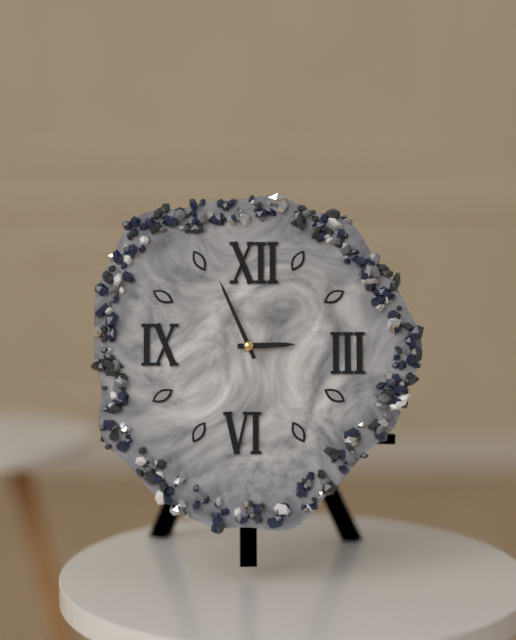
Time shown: **2:56**
